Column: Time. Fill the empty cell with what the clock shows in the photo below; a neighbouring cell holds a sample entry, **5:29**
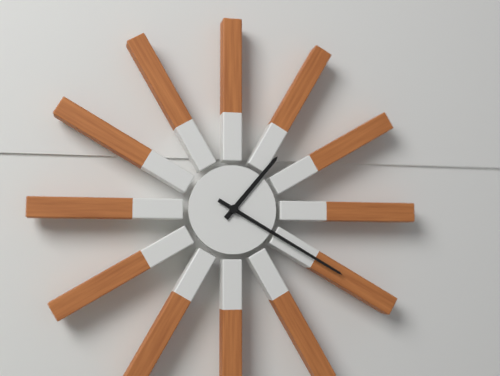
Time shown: **1:20**
